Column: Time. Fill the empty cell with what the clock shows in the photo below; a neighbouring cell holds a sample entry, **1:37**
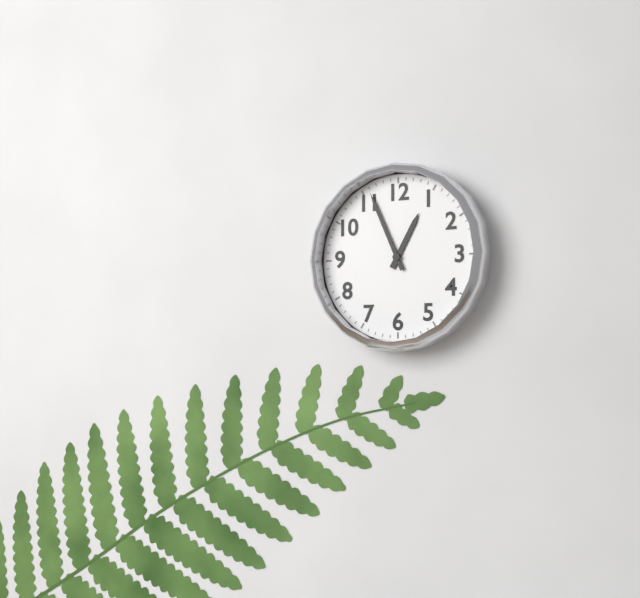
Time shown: **12:56**
